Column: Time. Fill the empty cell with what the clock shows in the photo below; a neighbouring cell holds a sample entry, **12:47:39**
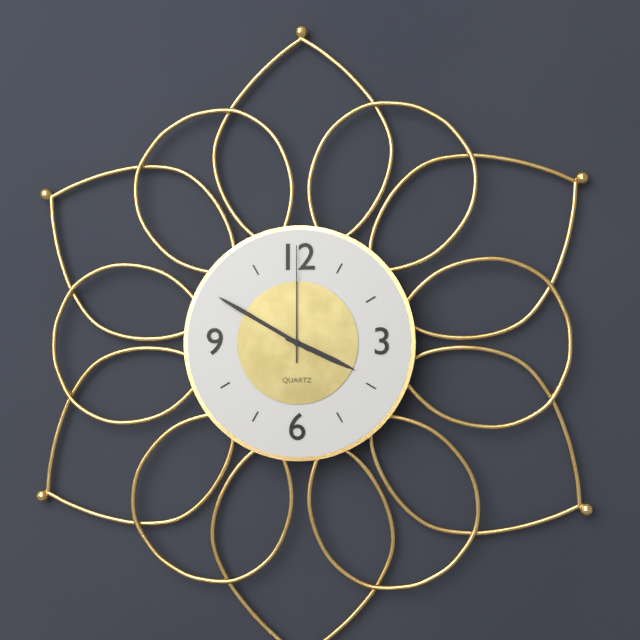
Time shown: **3:50:00**
